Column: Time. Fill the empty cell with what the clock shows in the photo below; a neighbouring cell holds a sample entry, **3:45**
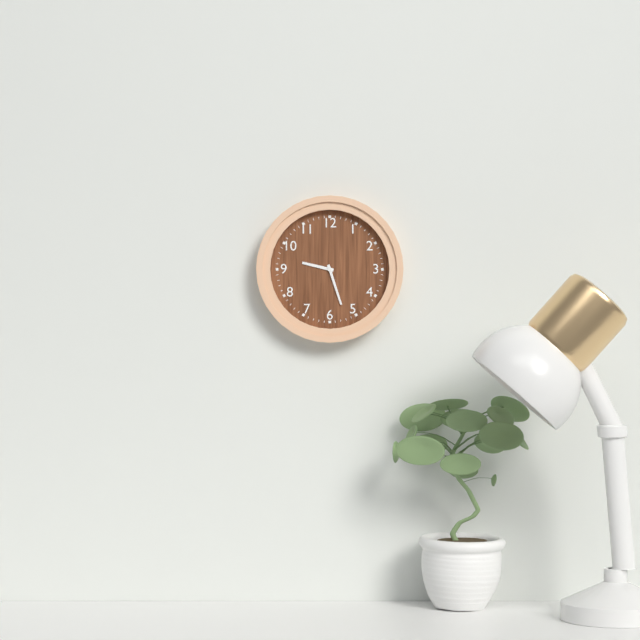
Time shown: **9:27**
